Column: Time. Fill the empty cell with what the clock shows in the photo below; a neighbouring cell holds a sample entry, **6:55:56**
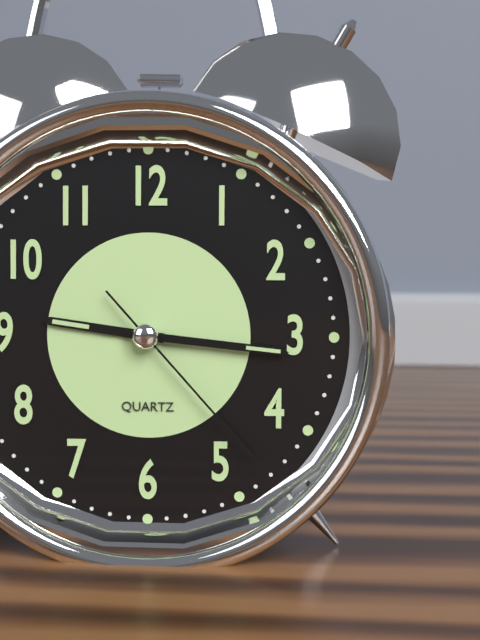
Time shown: **9:16:23**
